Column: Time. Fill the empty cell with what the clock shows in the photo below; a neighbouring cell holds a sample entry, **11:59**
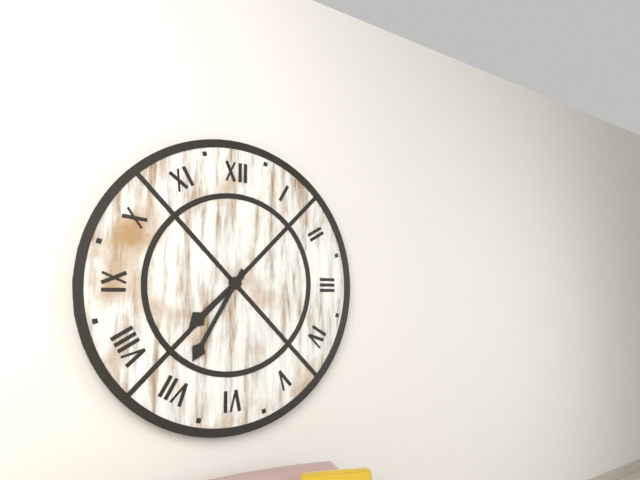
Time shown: **7:35**
